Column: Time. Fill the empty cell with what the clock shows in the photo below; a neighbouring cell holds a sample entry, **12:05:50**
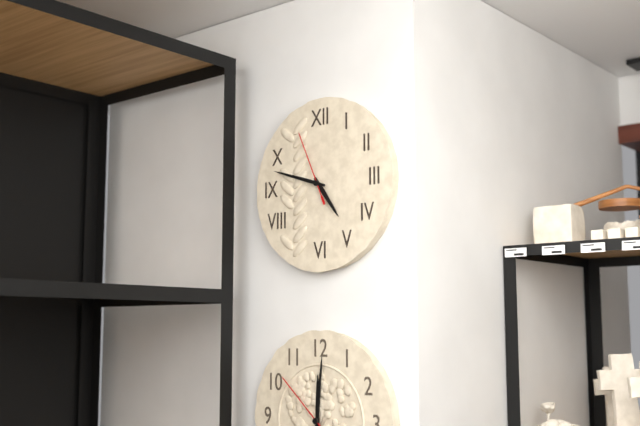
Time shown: **4:48:56**
